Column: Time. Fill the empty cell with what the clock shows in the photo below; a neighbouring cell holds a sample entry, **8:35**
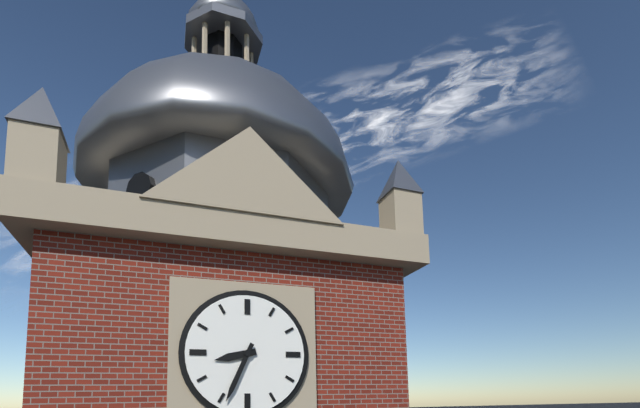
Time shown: **8:34**
